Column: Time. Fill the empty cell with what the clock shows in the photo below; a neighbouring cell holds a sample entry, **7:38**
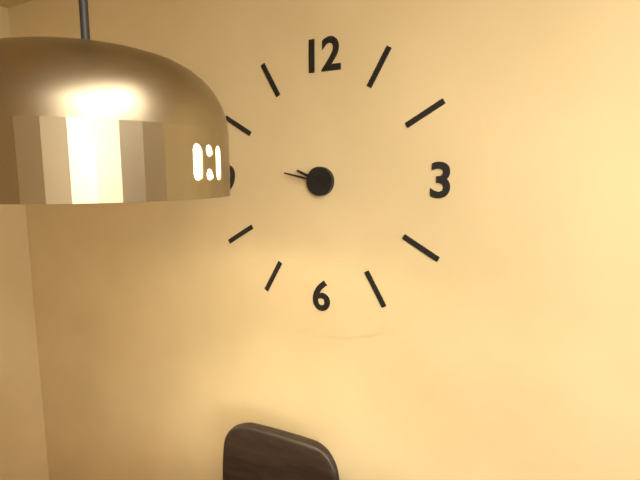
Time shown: **9:47**
